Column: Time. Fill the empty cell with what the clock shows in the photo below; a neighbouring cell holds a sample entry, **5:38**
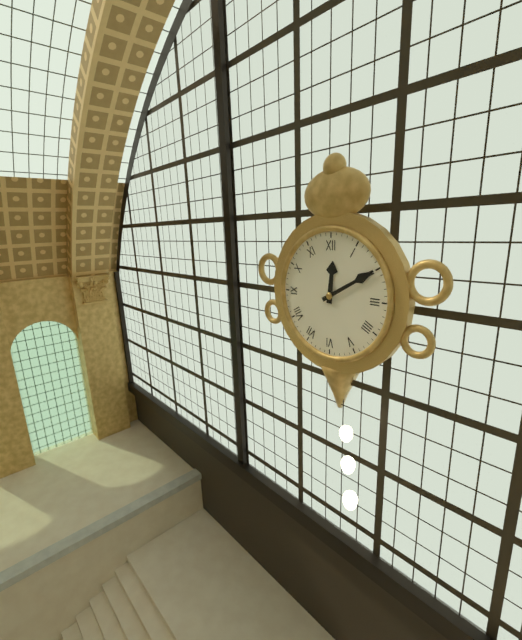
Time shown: **12:10**
